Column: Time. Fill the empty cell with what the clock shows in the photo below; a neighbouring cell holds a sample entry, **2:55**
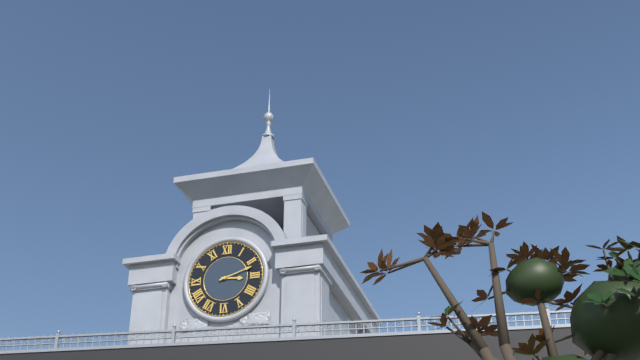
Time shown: **3:12**
